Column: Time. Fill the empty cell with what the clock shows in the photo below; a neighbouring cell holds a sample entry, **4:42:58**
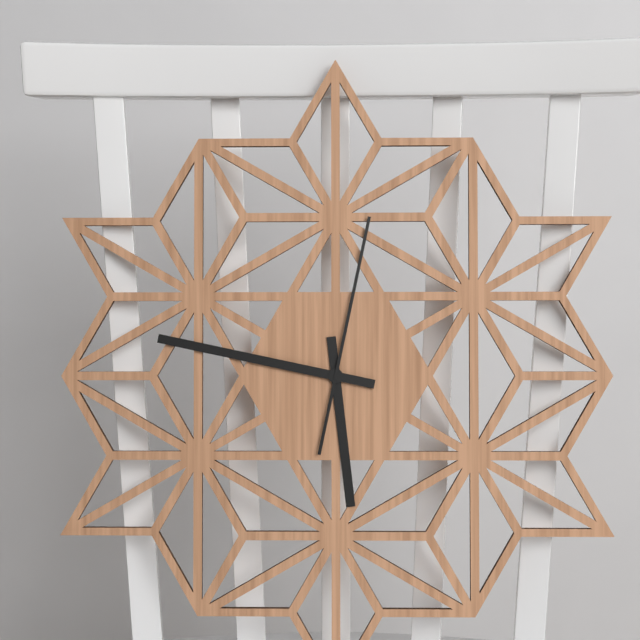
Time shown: **5:47:02**
